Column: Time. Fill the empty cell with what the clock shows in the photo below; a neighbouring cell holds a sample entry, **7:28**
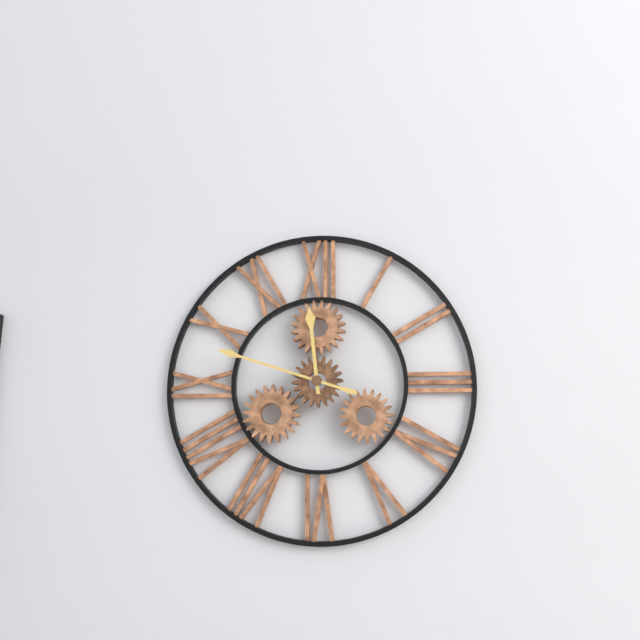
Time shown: **11:48**
